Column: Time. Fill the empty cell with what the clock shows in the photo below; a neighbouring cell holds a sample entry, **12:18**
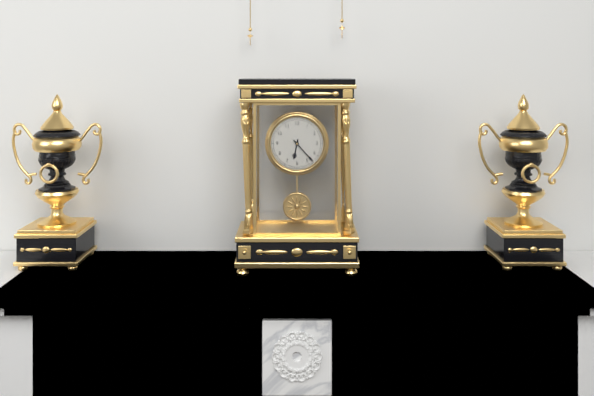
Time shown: **6:23**
